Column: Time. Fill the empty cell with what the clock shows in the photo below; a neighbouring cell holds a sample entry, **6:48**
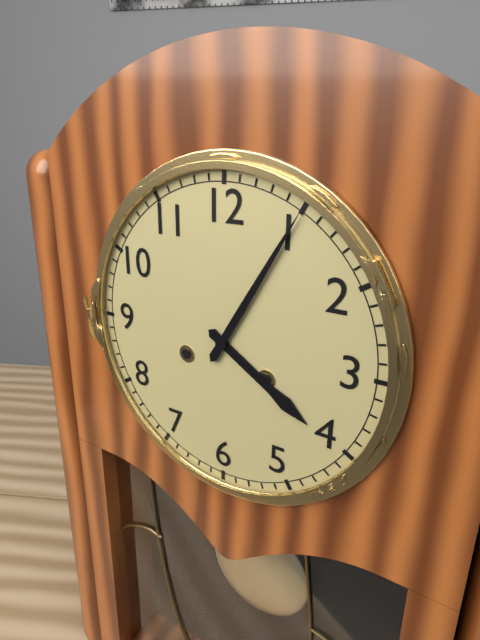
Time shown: **4:05**
